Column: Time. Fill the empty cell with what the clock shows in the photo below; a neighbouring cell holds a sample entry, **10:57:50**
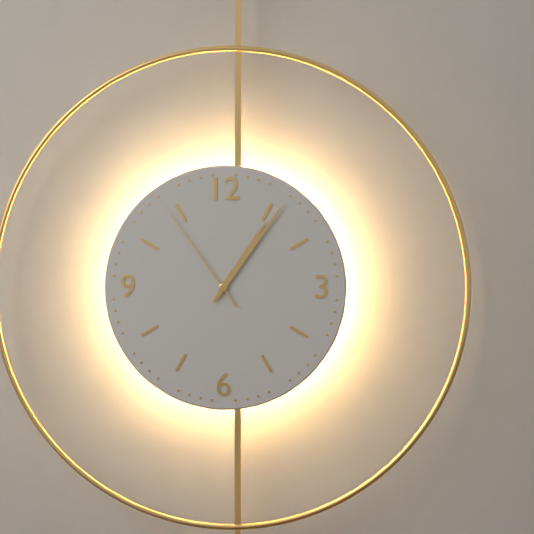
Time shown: **1:06:54**
